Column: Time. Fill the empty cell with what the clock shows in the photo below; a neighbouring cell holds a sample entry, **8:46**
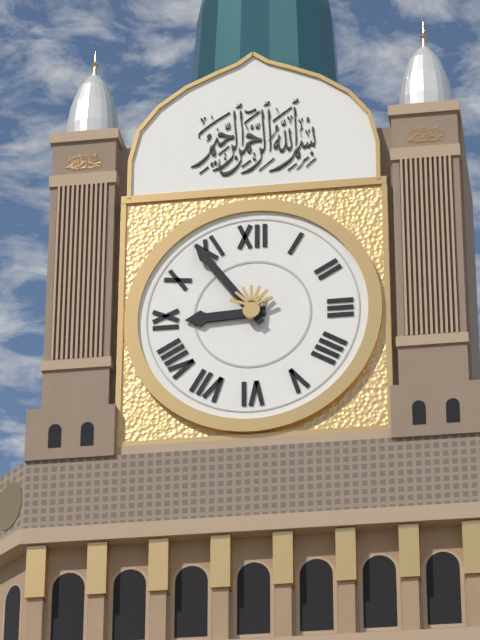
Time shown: **8:54**
